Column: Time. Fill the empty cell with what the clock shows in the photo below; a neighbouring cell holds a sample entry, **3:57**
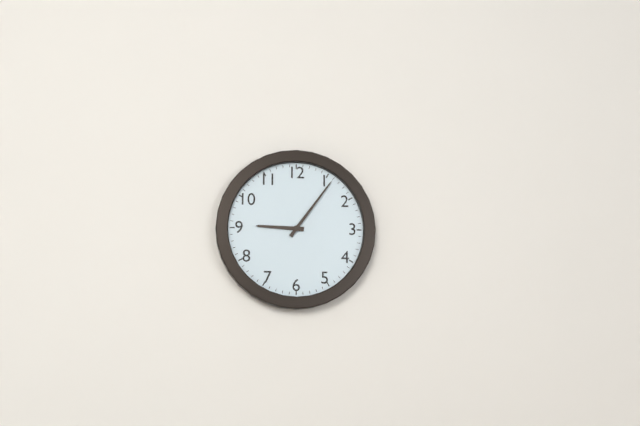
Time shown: **9:06**
